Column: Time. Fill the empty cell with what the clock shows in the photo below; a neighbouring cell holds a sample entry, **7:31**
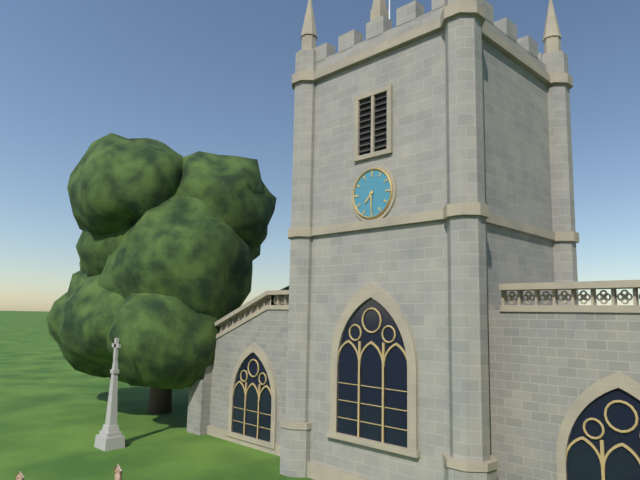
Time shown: **7:30**
